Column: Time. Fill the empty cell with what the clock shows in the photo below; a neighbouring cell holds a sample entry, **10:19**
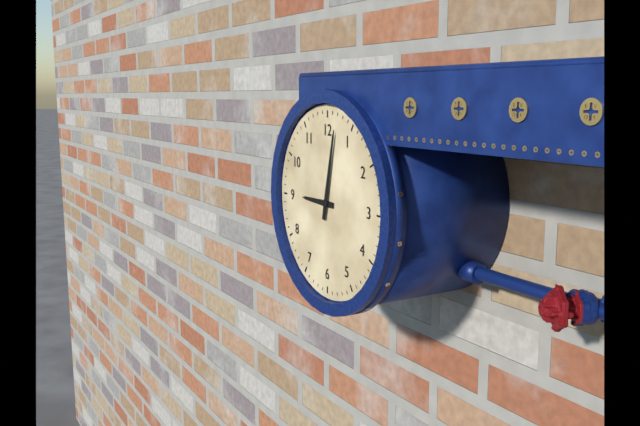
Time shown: **9:02**
